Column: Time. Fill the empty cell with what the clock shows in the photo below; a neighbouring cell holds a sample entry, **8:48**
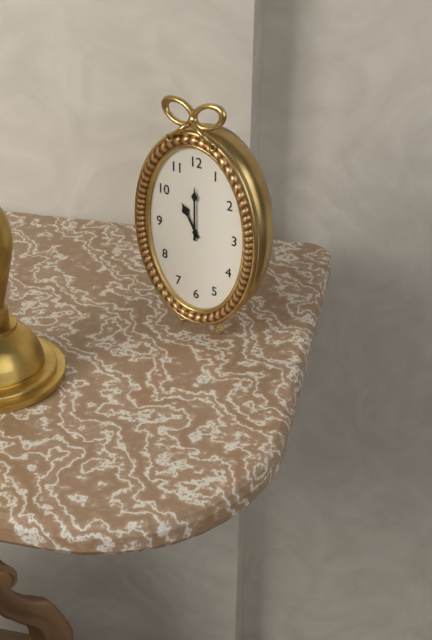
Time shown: **11:00**
